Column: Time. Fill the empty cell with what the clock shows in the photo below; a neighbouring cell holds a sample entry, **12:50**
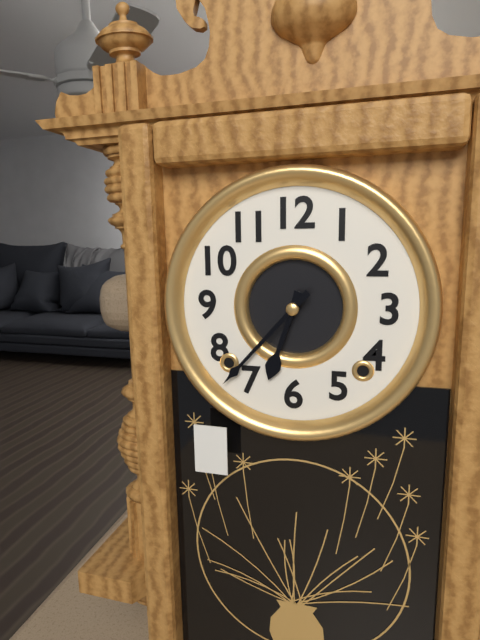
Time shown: **6:37**
